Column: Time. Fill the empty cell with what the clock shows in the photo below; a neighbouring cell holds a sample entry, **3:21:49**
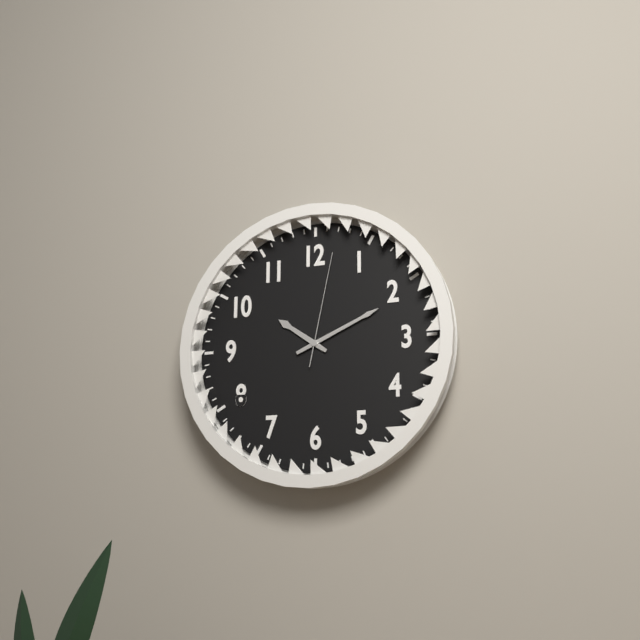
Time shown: **10:11:02**
